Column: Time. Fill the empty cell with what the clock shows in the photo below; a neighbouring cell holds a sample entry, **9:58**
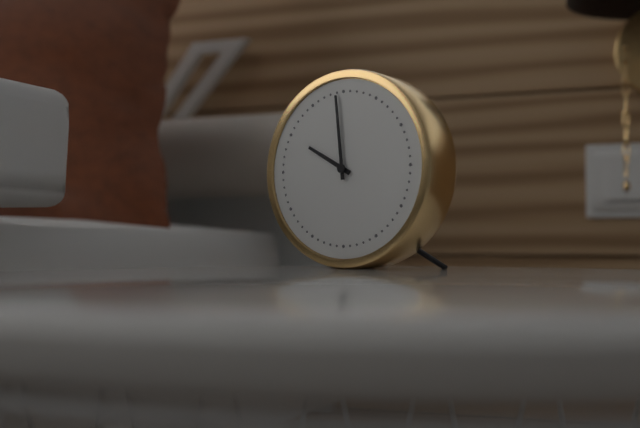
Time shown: **9:59**
